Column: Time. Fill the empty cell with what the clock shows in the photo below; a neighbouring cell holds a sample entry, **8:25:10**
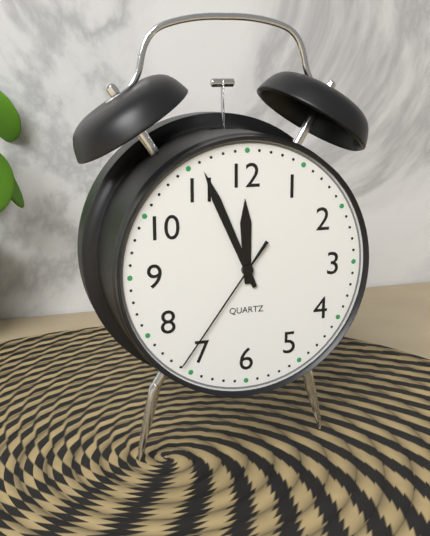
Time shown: **11:56:36**
